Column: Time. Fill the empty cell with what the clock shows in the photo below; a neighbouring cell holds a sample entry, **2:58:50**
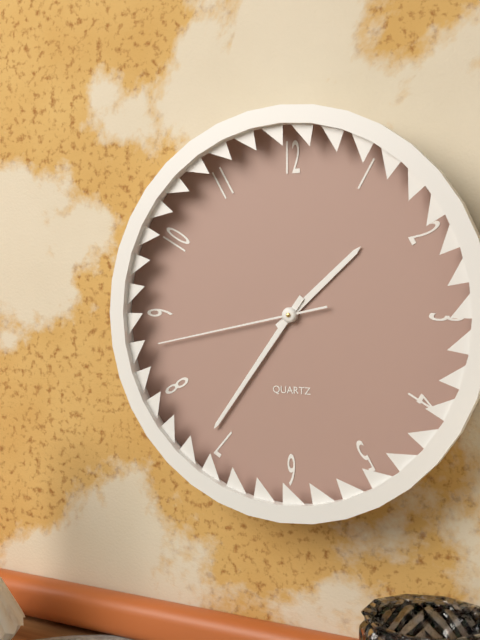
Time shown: **1:36:43**
